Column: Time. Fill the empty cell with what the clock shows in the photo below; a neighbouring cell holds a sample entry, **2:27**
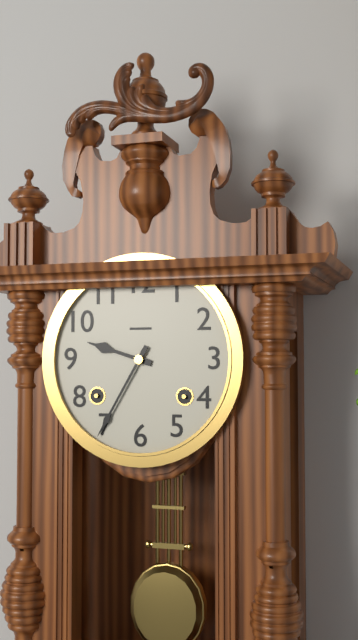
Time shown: **9:35**
